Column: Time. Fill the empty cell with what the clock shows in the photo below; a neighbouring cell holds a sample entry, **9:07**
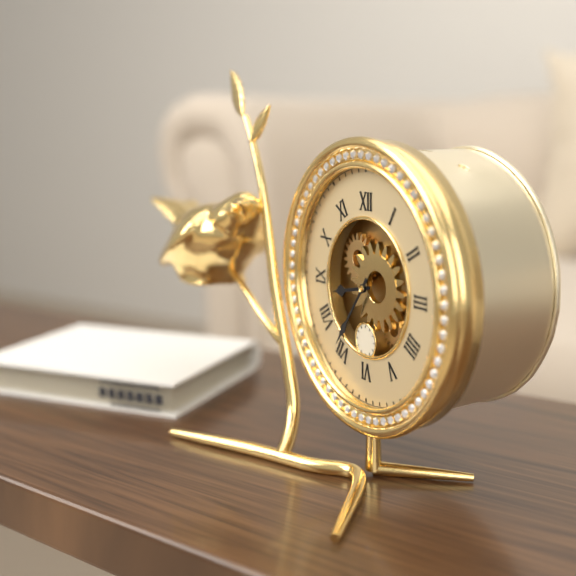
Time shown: **8:36**
